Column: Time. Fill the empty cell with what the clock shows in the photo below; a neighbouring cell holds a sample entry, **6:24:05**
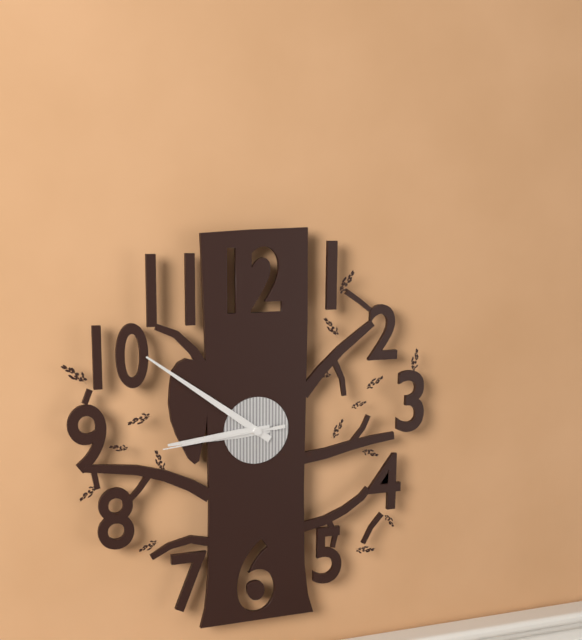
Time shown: **8:51:44**
